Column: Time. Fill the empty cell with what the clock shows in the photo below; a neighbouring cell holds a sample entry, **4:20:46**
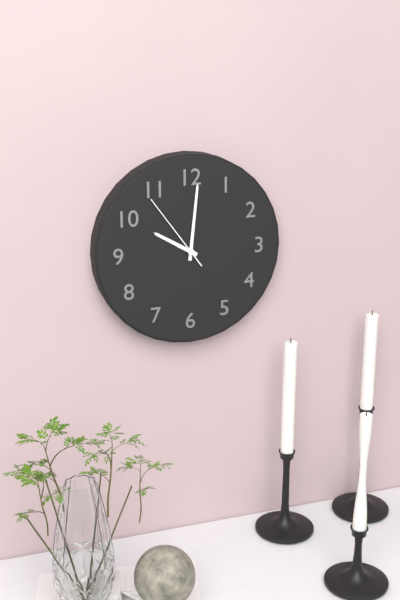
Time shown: **10:01:54**
